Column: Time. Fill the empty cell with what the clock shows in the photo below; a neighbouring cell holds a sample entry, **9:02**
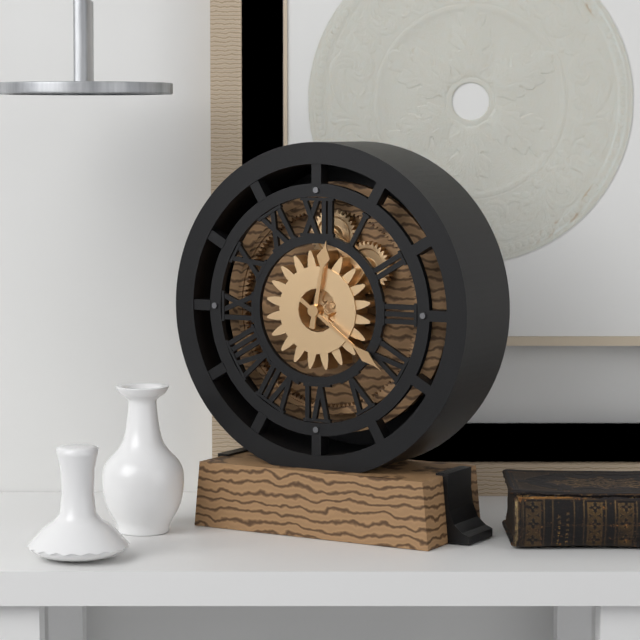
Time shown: **12:21**
